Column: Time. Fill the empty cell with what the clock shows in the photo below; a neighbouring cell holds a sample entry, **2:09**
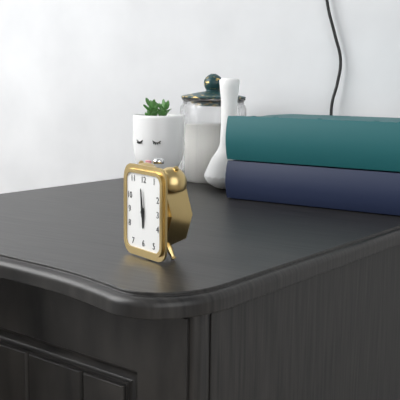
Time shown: **5:59**
